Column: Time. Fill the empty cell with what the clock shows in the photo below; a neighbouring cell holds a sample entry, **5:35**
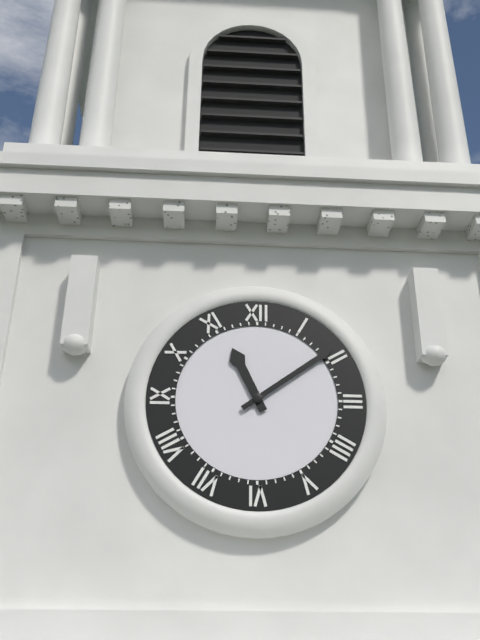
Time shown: **11:09**
